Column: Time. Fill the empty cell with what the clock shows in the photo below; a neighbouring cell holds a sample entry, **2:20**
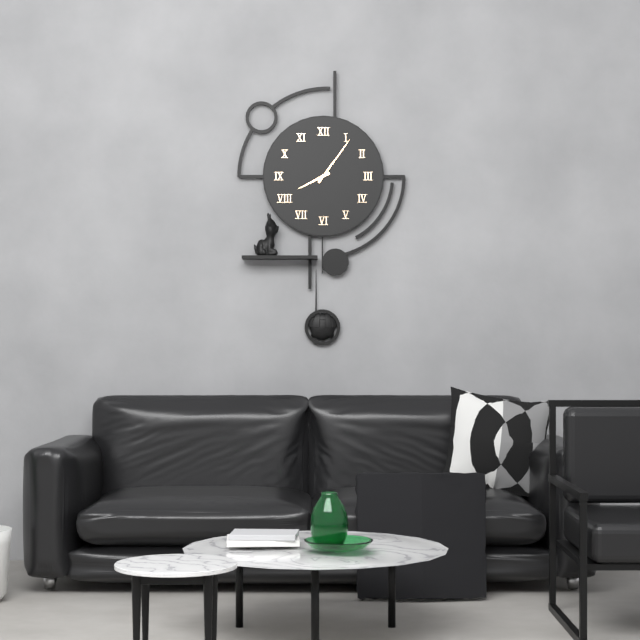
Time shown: **8:06**
